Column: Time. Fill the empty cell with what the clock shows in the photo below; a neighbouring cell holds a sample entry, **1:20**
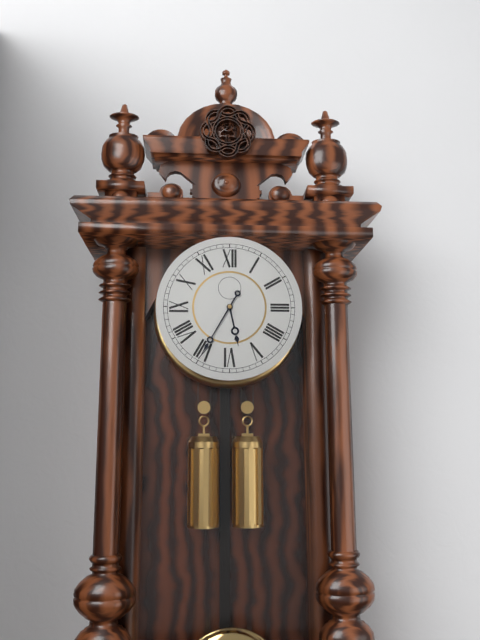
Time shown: **5:35**
